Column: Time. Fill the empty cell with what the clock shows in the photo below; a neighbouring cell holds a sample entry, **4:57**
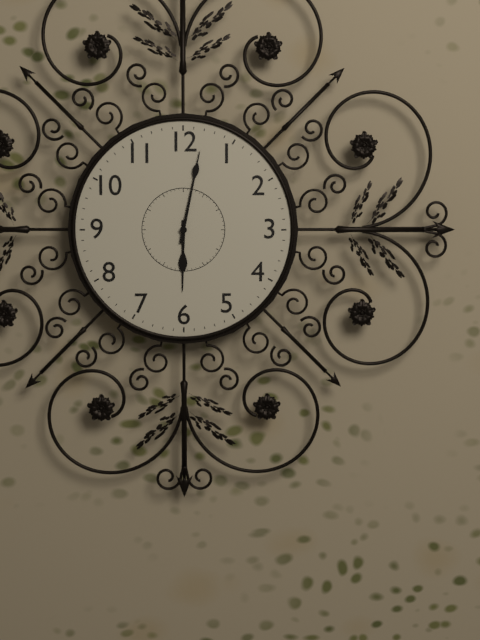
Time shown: **6:02**
